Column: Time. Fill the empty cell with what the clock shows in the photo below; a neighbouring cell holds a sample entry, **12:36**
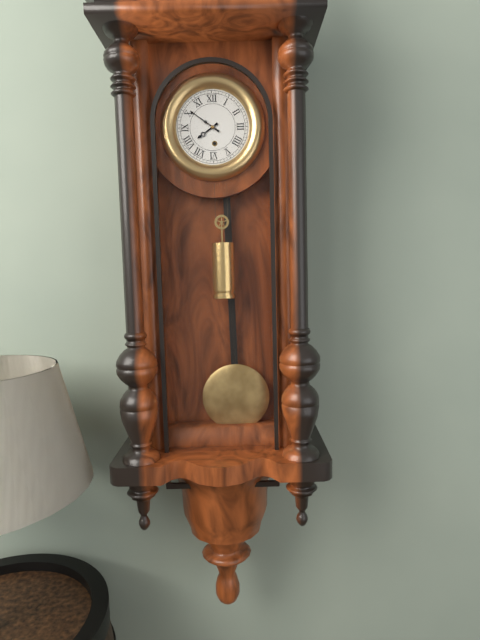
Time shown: **7:51**
